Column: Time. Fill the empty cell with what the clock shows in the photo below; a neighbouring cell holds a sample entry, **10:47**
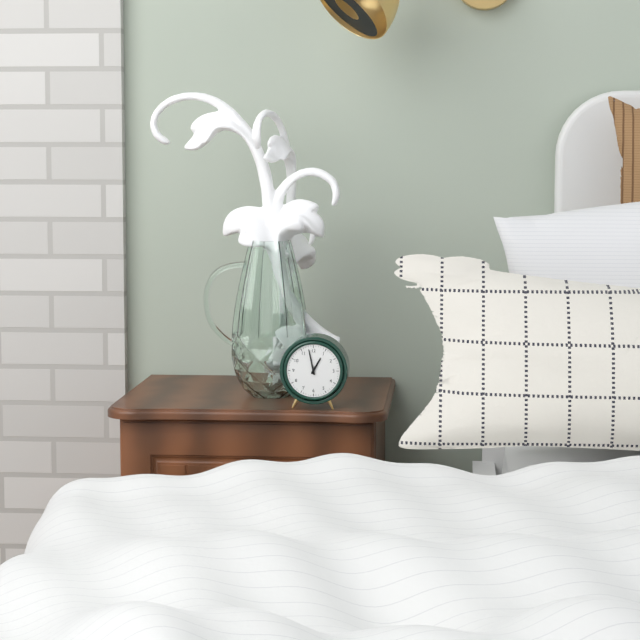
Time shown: **12:58**
